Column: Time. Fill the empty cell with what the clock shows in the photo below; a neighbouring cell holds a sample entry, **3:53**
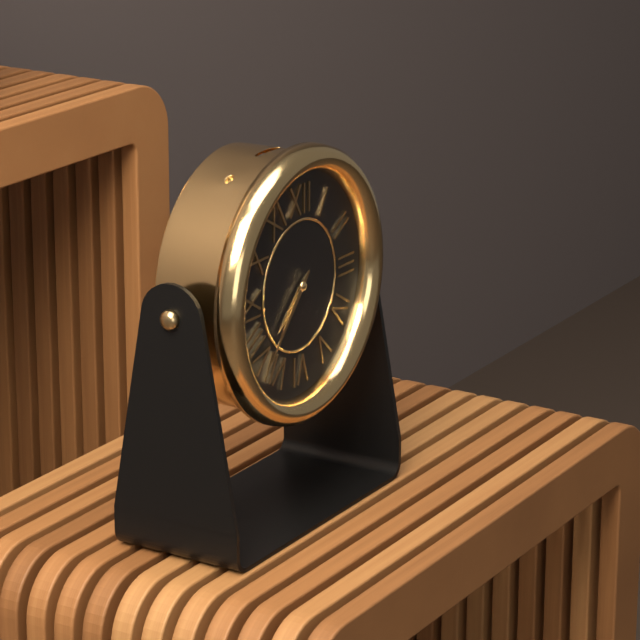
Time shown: **7:37**
